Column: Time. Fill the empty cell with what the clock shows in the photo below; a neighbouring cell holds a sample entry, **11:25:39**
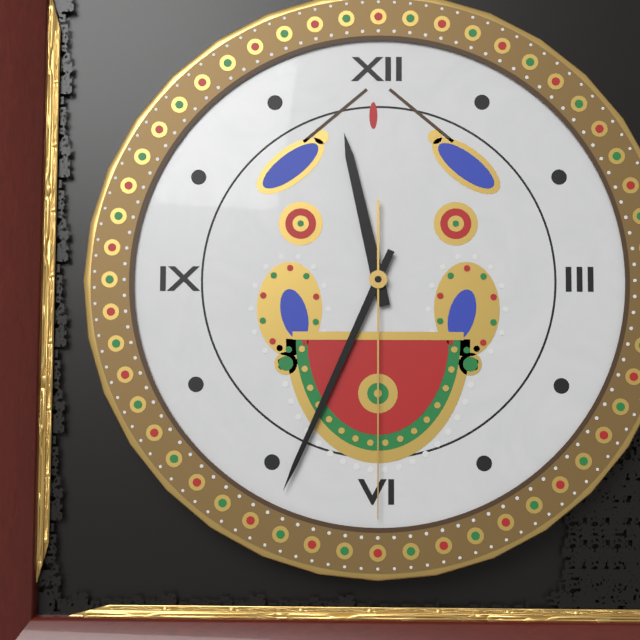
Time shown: **11:34:30**
